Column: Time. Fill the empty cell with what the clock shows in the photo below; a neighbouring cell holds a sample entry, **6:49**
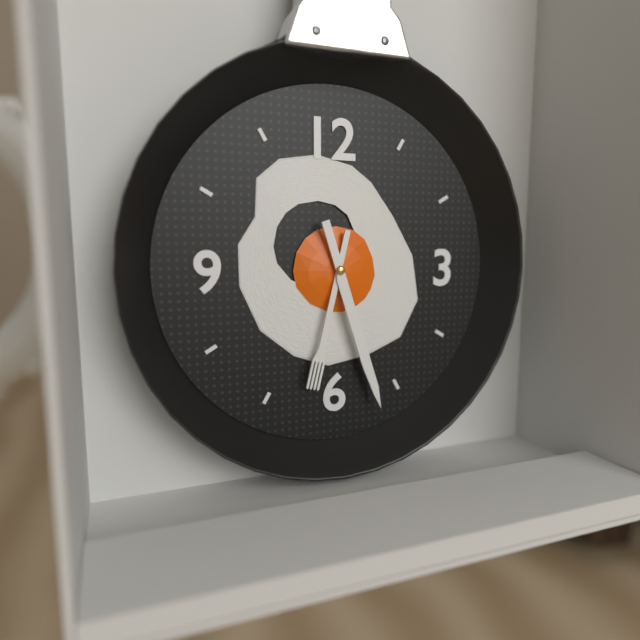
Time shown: **6:27**
